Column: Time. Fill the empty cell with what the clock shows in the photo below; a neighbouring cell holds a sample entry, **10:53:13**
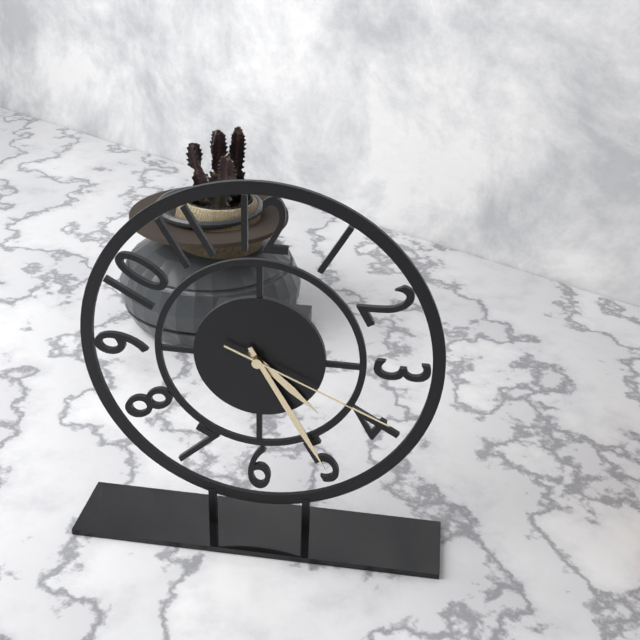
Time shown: **4:25:19**
